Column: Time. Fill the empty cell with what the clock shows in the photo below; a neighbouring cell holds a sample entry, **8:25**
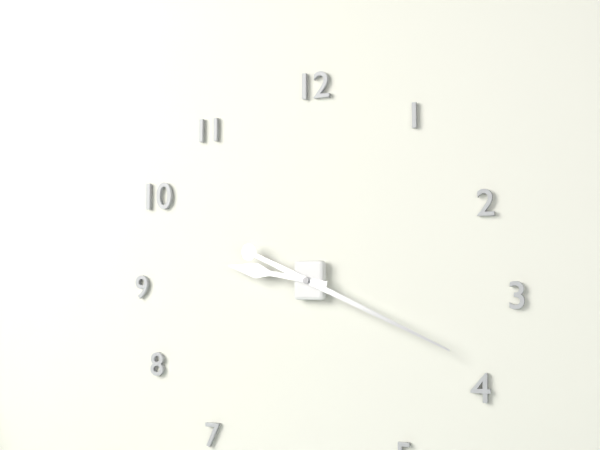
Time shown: **9:19**
